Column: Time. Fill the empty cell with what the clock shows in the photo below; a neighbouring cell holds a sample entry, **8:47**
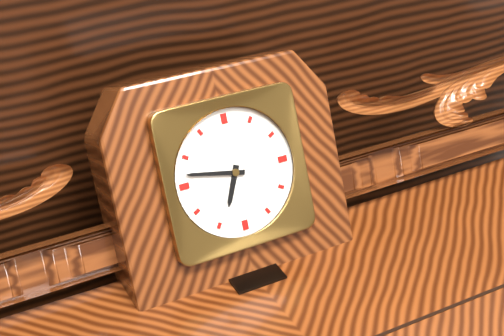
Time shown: **6:47**
